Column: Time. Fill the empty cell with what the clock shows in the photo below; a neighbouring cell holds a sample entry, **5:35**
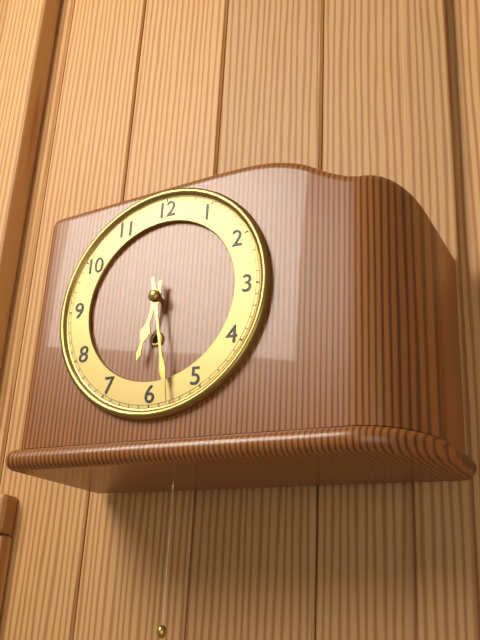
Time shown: **6:28**
